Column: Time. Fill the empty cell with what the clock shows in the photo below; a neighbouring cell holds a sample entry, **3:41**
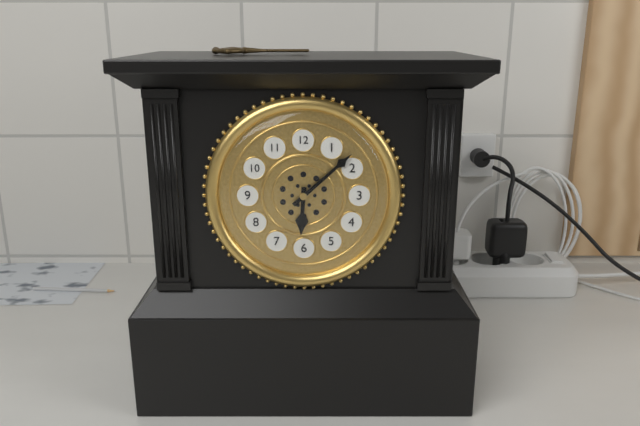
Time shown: **6:08**
